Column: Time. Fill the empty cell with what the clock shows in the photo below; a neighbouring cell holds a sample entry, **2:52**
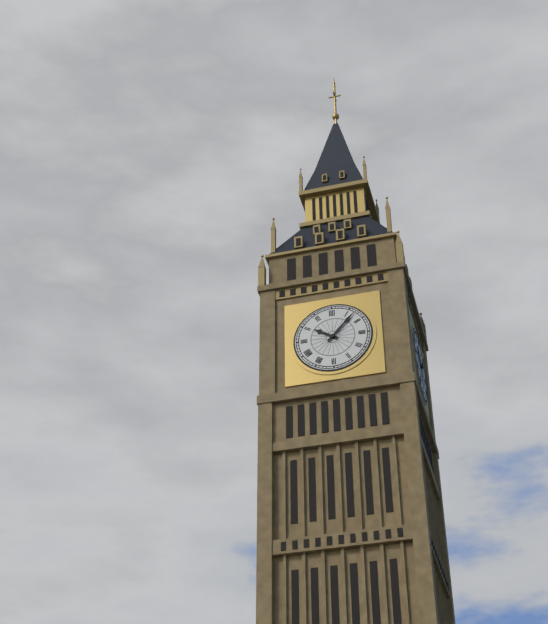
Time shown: **10:07**
